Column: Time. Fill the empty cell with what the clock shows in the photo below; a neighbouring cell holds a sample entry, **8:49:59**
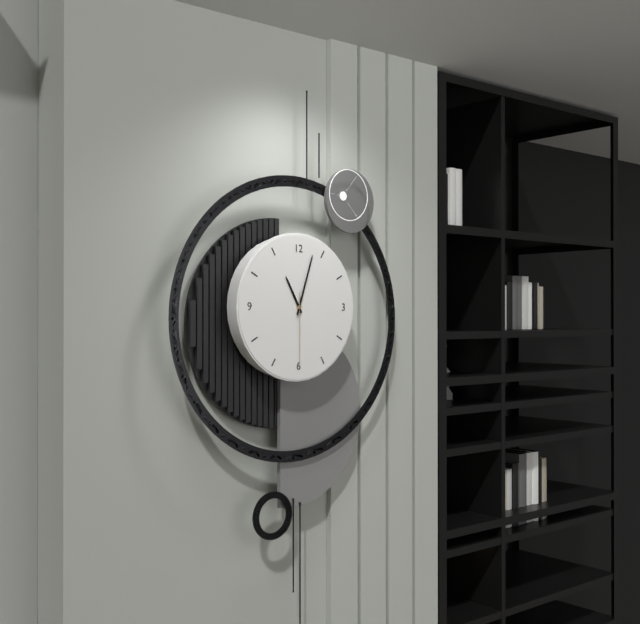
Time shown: **11:03:30**
